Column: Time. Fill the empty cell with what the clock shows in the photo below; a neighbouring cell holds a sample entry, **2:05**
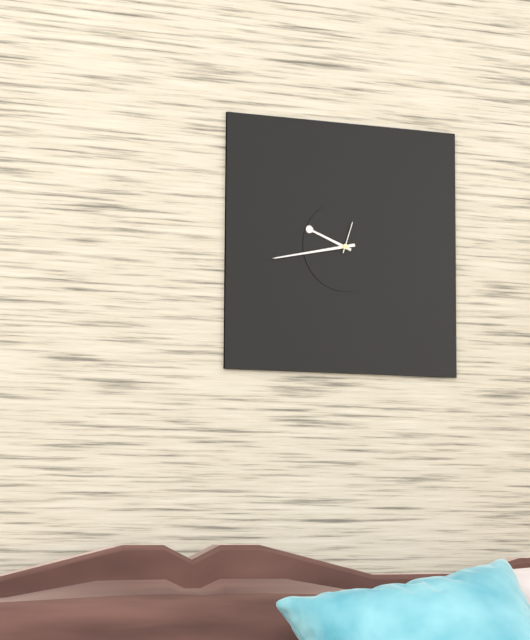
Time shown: **9:43**
